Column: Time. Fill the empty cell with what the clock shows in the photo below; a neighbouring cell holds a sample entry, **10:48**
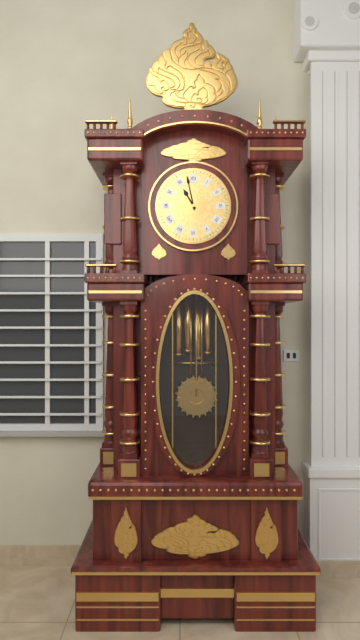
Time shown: **10:58**
